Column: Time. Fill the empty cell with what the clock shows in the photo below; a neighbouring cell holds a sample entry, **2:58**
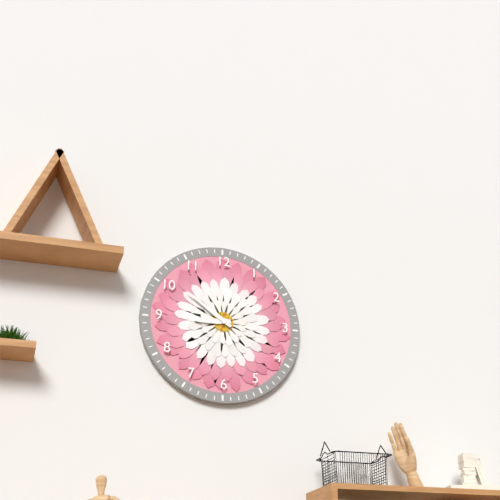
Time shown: **8:51**
